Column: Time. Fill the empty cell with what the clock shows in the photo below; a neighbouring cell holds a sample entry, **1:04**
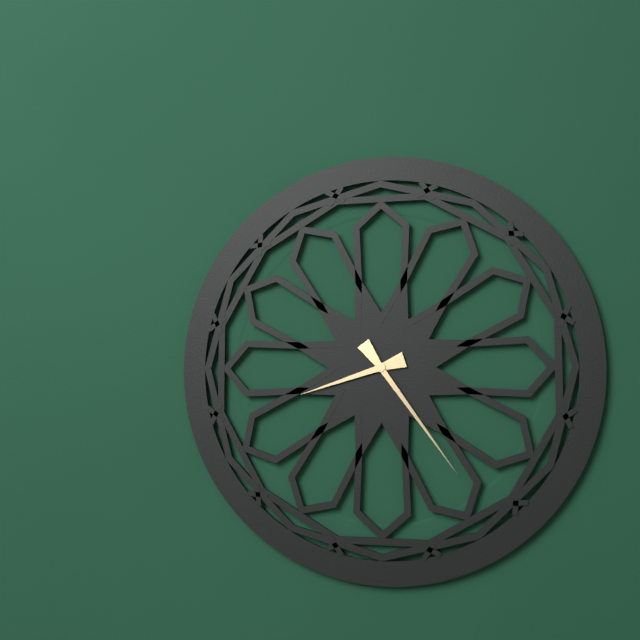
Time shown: **8:24**
